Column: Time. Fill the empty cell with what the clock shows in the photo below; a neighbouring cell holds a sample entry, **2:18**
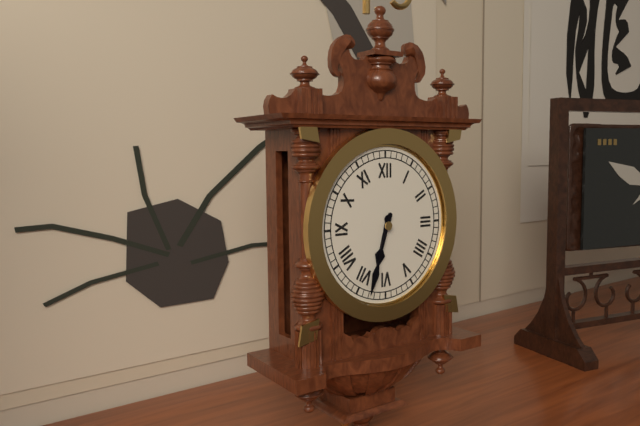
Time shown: **6:33**
